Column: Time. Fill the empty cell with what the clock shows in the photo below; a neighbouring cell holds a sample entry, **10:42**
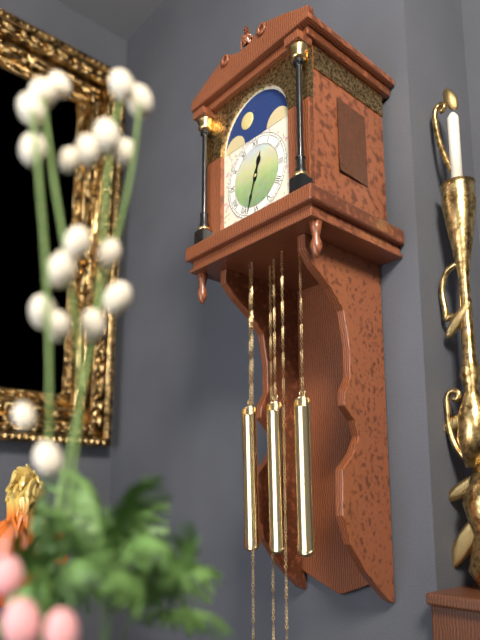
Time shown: **12:33**
